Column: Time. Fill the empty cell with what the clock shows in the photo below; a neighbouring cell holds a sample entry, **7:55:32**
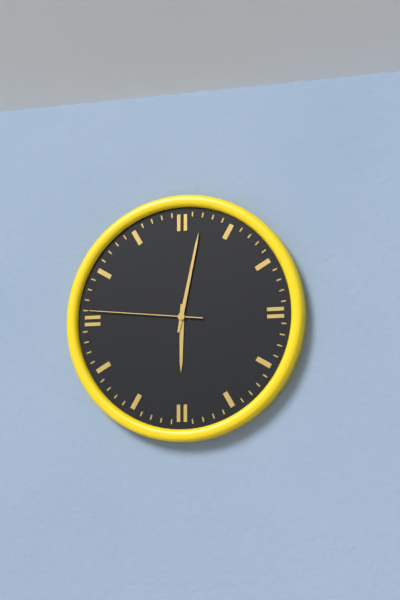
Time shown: **6:02:46**
